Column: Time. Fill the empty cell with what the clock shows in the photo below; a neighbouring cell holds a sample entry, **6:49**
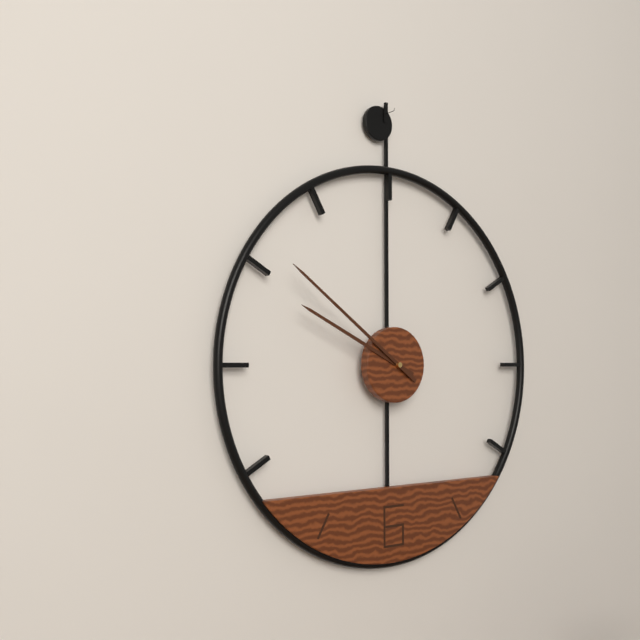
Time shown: **9:51**
